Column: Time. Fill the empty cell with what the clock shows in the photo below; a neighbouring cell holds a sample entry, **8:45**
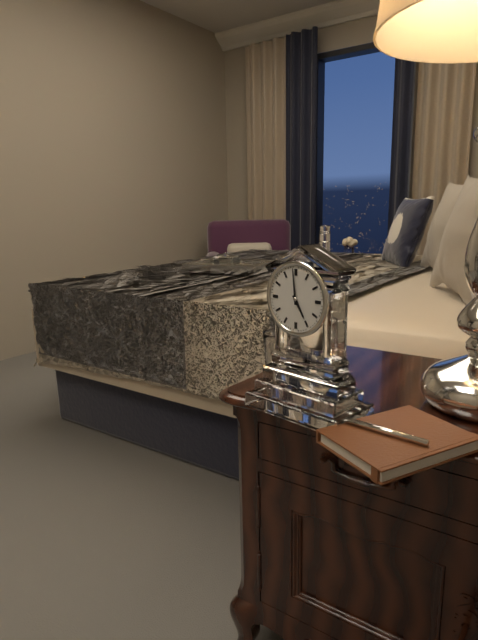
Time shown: **4:59**
